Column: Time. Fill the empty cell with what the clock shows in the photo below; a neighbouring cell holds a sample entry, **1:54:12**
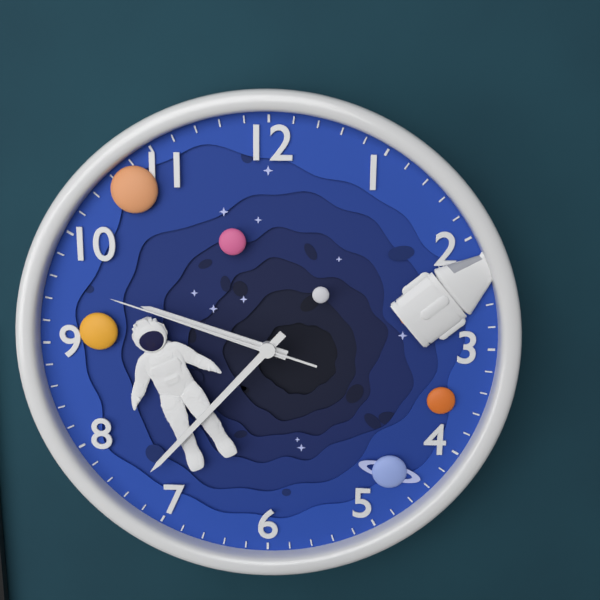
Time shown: **9:37:48**
